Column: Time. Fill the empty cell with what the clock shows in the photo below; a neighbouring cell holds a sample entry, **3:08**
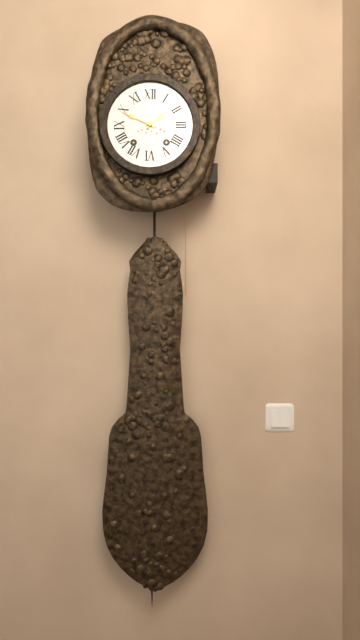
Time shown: **1:49**
